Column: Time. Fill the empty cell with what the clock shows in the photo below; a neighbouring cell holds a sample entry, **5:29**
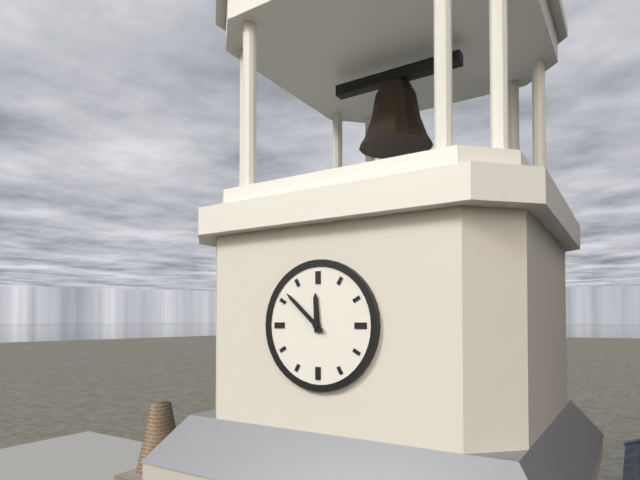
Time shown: **11:52**
